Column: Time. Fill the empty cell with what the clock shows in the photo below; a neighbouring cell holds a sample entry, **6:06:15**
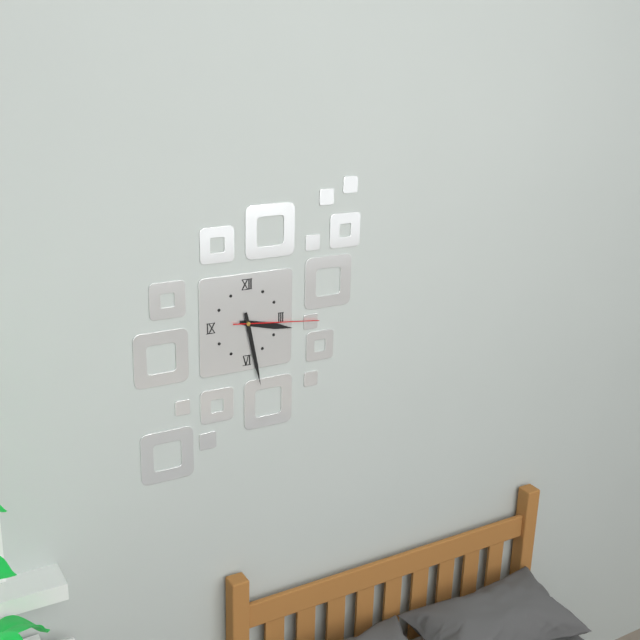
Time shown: **3:28:16**
